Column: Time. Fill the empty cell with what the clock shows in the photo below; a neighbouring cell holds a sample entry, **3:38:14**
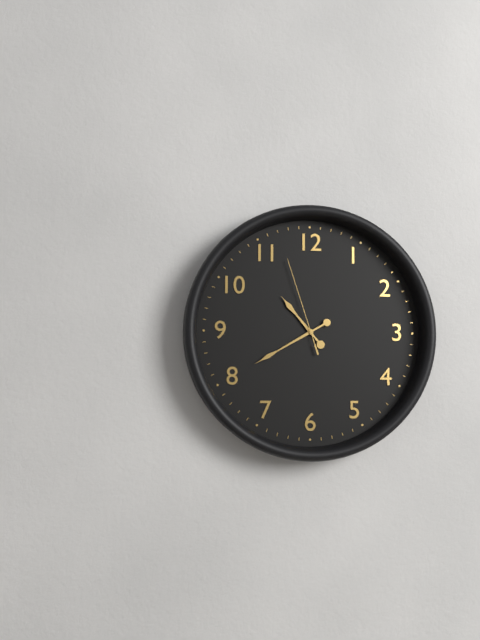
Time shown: **10:40:57**
